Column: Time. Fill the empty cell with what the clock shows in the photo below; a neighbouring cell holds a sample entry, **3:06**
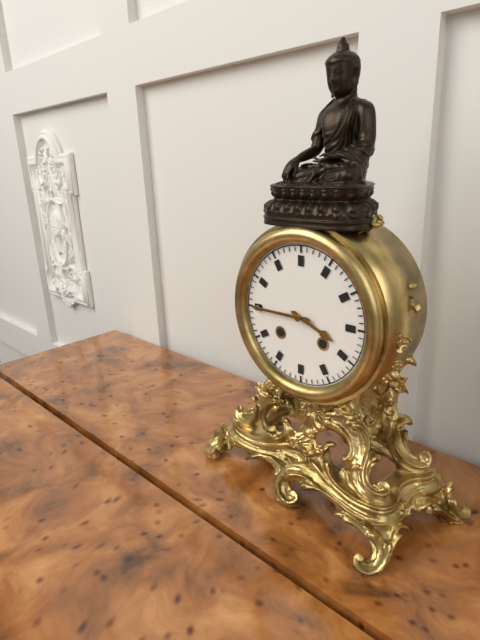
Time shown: **3:45**
